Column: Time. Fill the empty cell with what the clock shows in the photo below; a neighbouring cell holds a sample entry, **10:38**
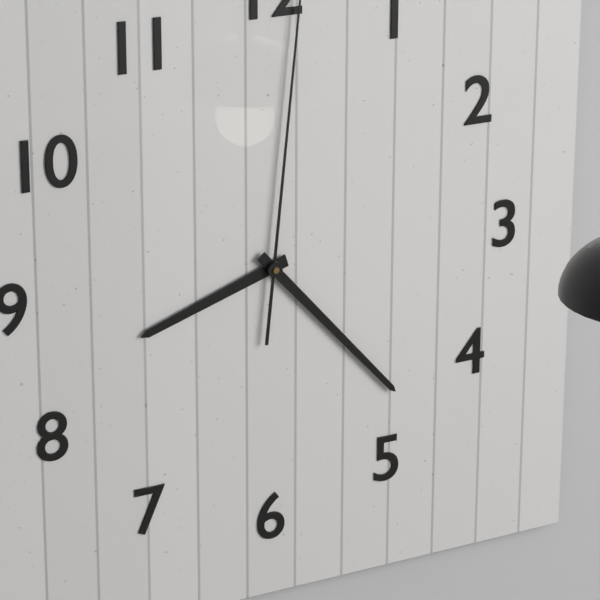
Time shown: **8:23**
